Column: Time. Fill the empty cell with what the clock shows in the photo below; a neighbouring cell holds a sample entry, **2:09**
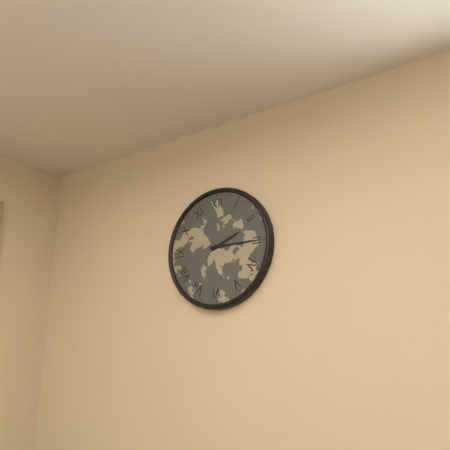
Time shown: **2:15**
